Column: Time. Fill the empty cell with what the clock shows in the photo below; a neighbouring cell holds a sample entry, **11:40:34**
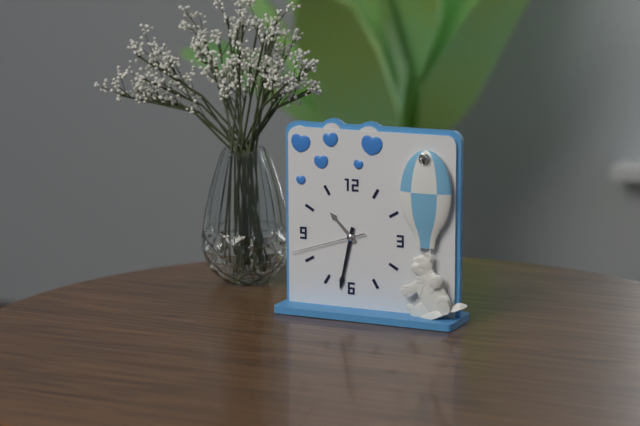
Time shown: **10:32:42**
